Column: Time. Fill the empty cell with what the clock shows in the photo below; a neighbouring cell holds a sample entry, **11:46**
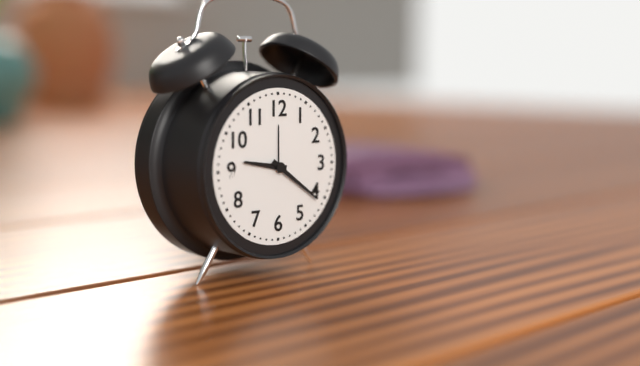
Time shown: **9:21**
